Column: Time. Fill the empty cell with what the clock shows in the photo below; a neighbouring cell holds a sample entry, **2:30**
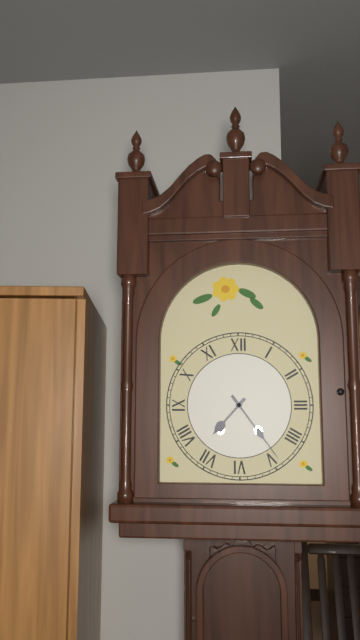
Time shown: **7:24**
